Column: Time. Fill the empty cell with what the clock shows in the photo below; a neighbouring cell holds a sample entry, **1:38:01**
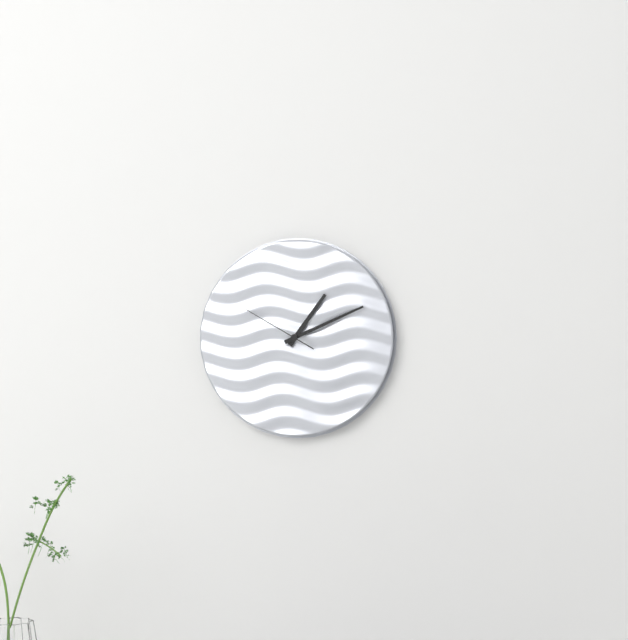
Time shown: **1:11:50**
